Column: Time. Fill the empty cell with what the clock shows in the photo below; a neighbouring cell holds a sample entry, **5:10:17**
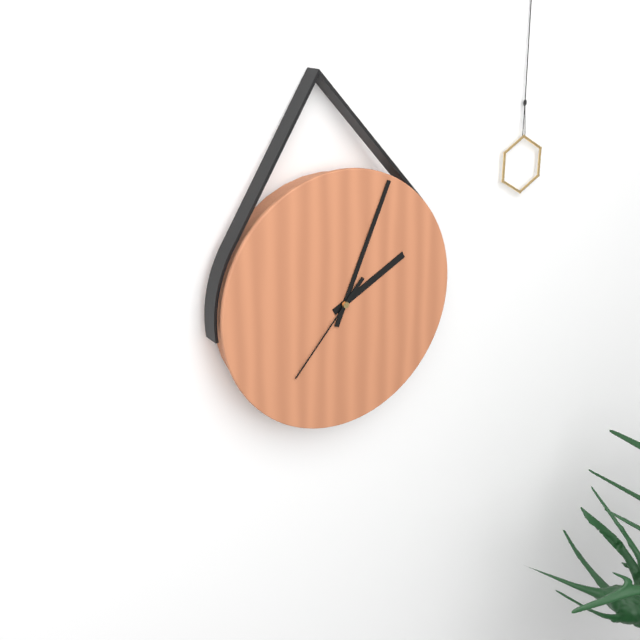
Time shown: **2:04:37**
